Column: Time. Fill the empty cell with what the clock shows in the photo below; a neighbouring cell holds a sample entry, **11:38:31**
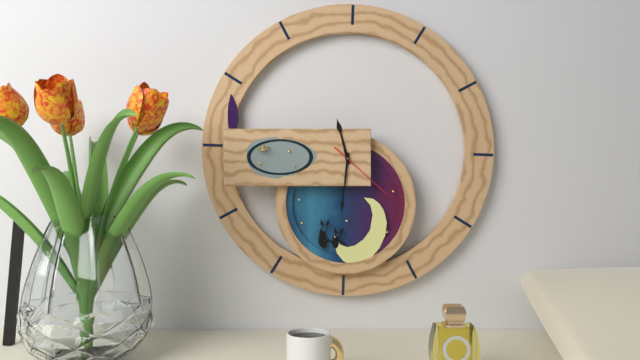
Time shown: **11:31:22**
